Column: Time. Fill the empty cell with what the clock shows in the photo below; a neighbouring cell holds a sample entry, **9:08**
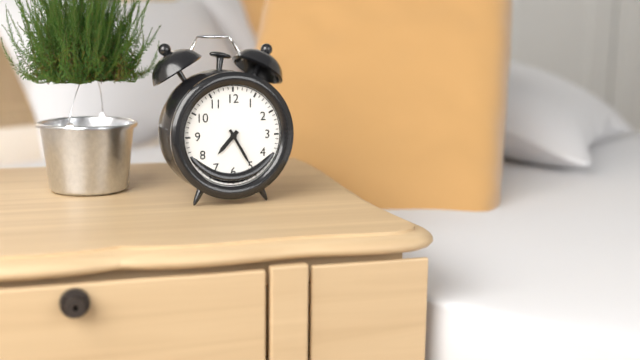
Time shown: **7:25**
